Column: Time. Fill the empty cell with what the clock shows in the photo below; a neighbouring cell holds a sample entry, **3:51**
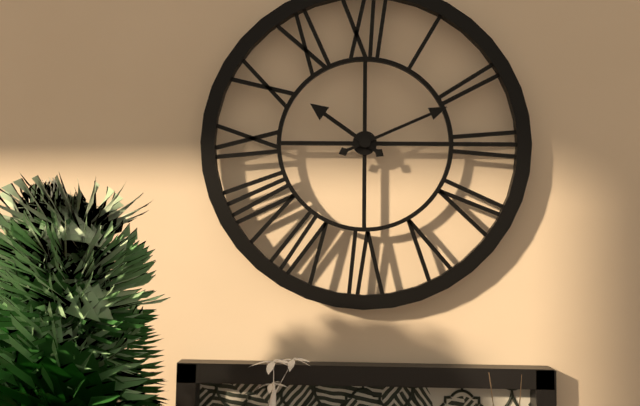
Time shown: **10:11**
